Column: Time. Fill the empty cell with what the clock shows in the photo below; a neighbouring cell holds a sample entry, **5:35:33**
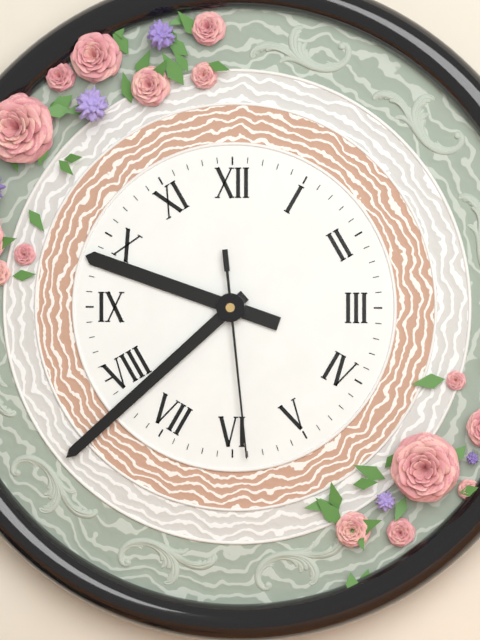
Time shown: **9:38:29**
